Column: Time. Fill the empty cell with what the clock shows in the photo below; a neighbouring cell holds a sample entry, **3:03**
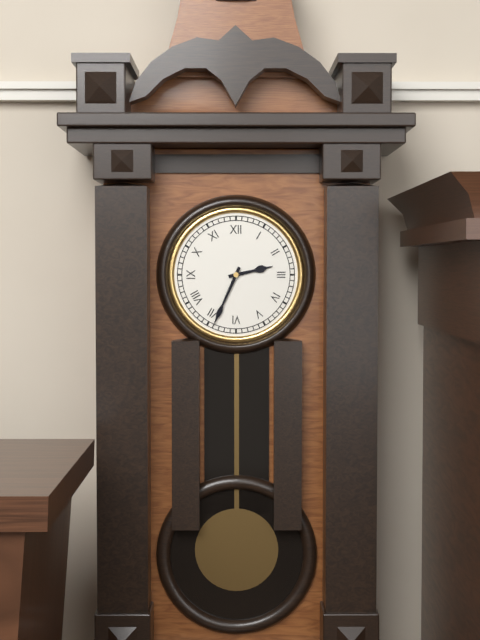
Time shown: **2:34**
